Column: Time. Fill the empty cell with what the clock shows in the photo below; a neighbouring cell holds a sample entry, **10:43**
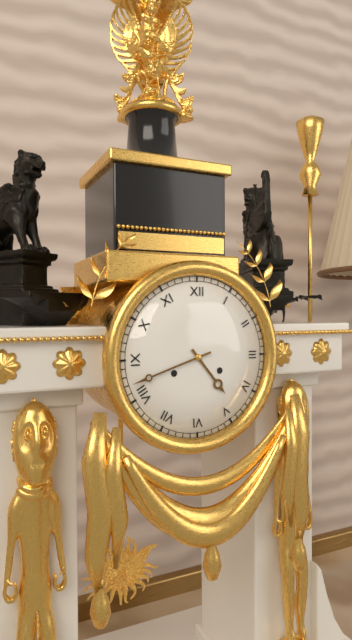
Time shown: **4:42**
